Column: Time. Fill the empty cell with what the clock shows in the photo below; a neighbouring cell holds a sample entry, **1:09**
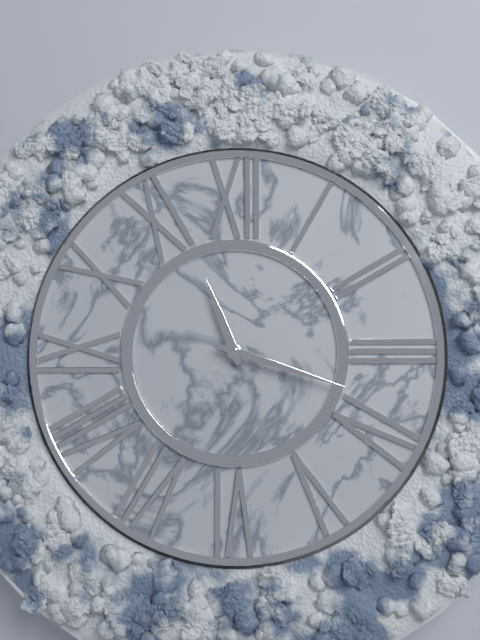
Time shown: **11:18**
